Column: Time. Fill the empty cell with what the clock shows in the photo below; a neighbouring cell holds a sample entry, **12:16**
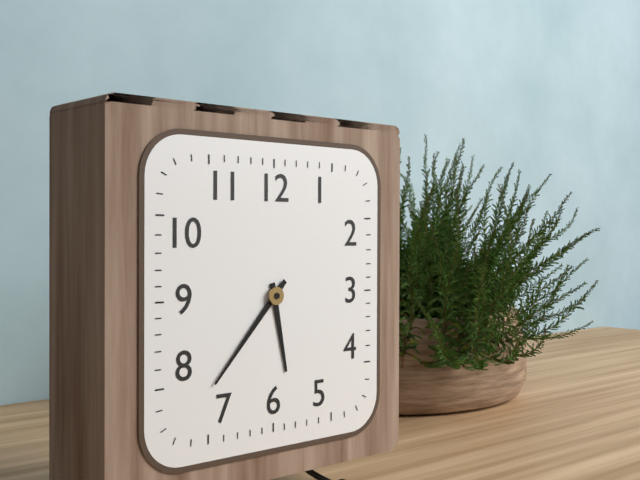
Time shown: **5:37**
